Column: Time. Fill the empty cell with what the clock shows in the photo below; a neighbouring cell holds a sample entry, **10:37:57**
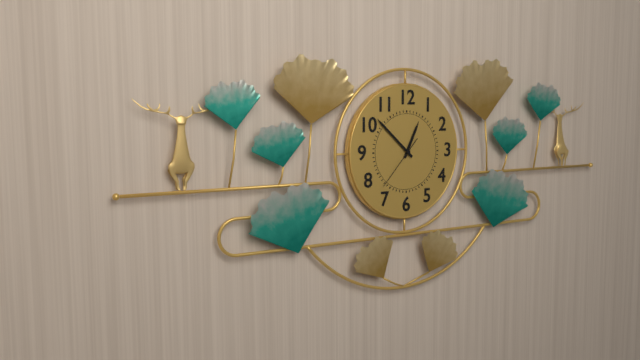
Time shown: **12:52:37**
